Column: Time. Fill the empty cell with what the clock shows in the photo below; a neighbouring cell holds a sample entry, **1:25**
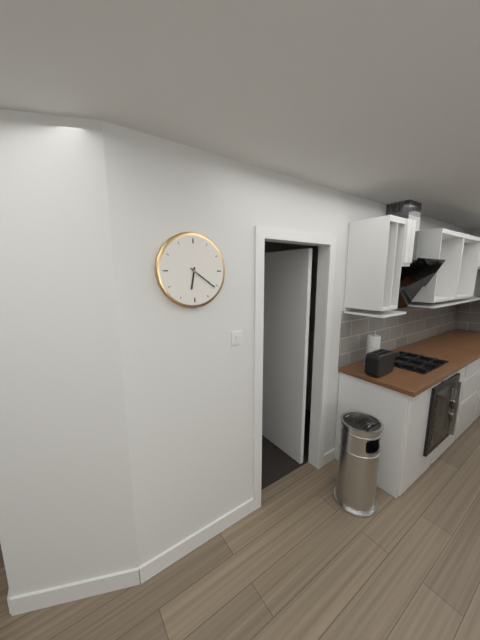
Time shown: **6:21**
